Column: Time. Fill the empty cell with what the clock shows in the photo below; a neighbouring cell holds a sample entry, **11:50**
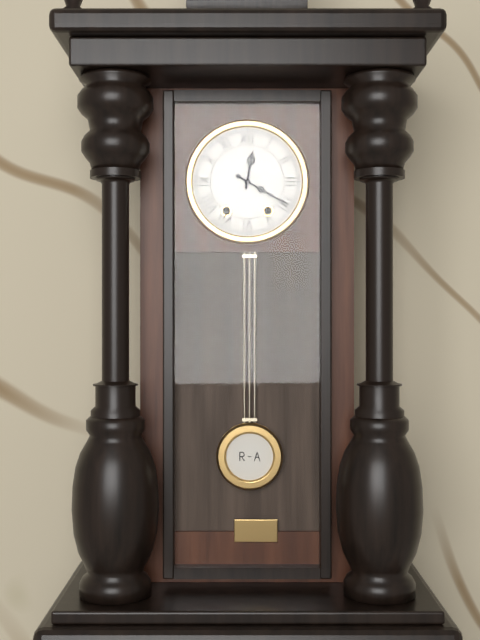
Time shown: **12:20**
